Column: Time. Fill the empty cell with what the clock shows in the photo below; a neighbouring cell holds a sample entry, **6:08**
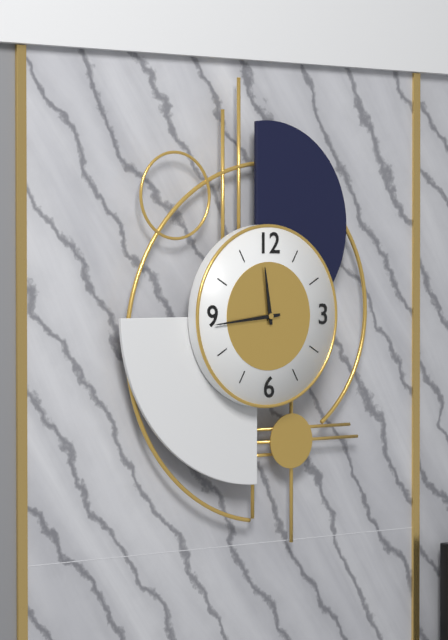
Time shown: **11:44**
